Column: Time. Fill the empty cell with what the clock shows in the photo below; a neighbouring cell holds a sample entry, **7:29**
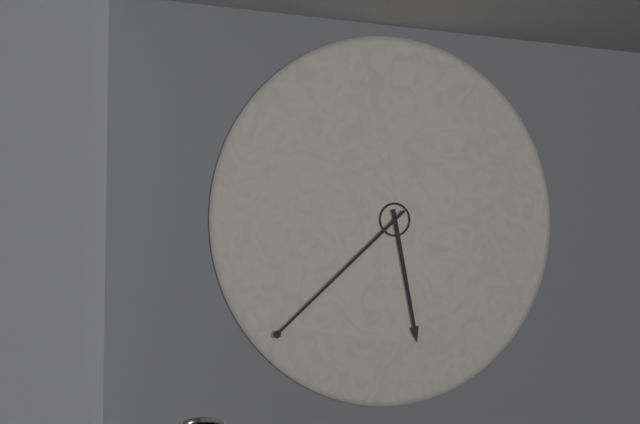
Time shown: **5:38**
